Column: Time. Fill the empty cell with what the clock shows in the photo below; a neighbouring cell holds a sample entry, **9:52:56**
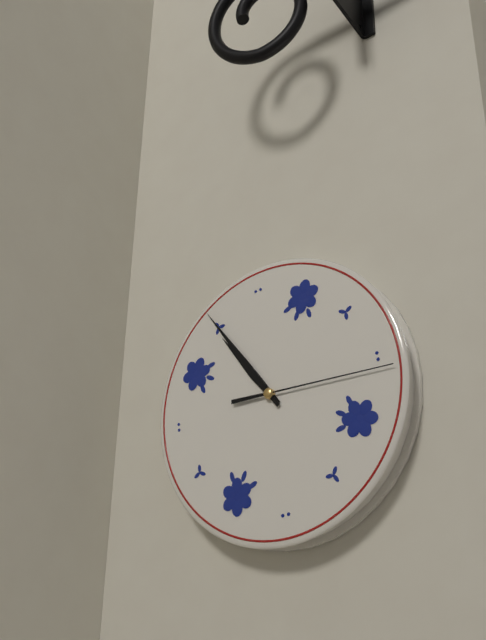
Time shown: **10:55:16**
